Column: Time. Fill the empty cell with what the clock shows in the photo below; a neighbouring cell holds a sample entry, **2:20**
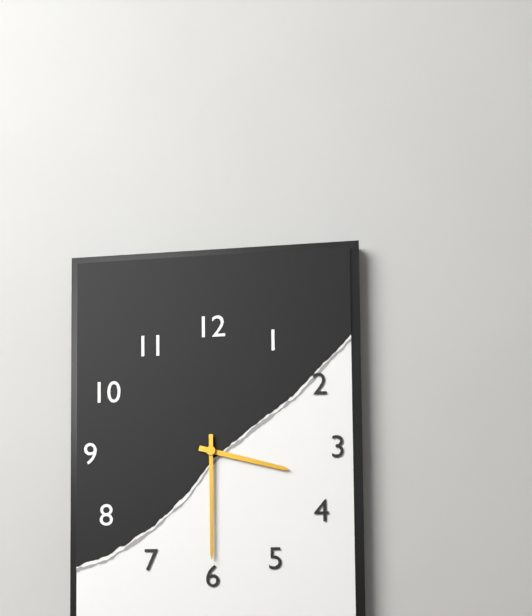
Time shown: **3:30**
